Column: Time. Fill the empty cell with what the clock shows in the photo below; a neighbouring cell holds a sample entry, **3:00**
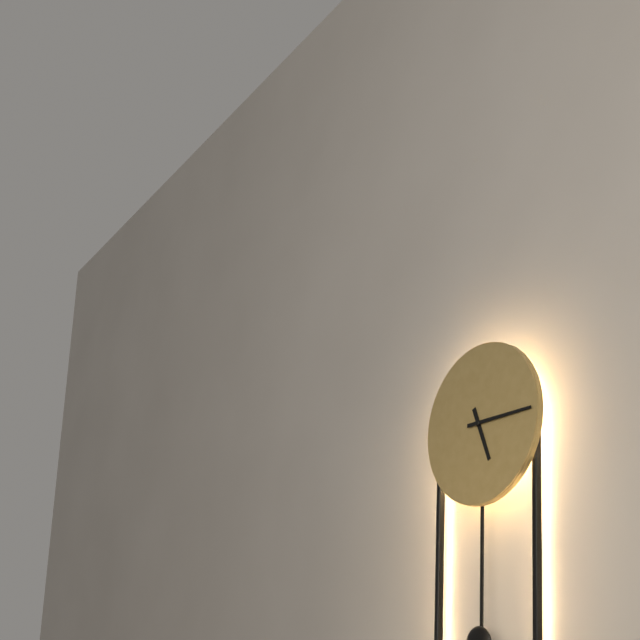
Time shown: **5:15**
